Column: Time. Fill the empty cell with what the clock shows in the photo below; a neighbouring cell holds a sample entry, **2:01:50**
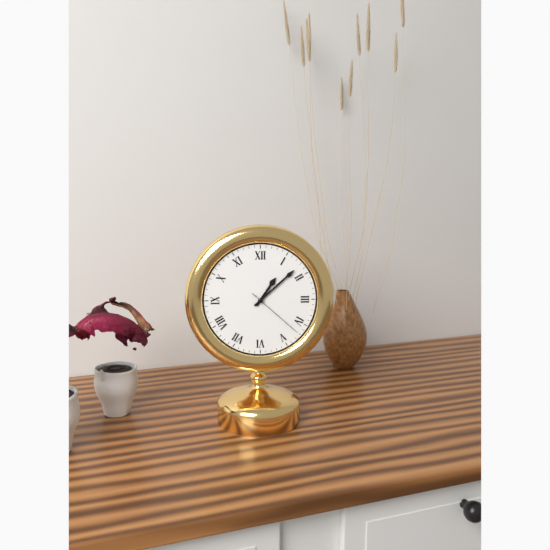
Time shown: **1:08:22**
